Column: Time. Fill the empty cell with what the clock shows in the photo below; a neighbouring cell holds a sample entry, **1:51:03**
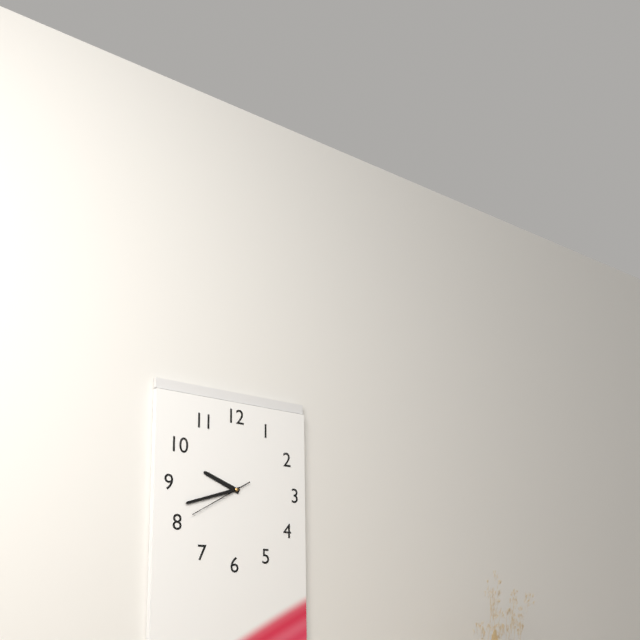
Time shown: **9:42:40**
